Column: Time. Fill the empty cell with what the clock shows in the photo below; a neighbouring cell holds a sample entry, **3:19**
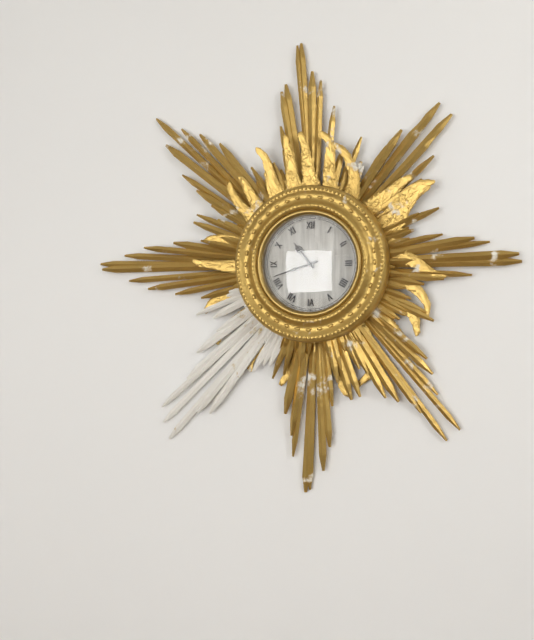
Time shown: **10:42**
